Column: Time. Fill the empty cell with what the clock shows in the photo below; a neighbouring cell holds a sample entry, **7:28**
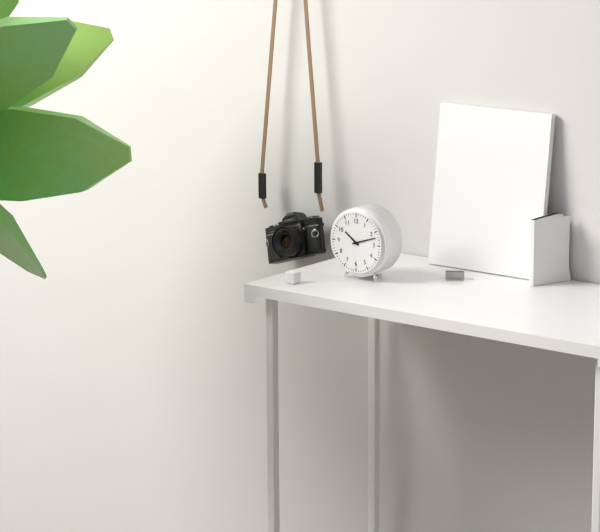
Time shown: **10:12**
